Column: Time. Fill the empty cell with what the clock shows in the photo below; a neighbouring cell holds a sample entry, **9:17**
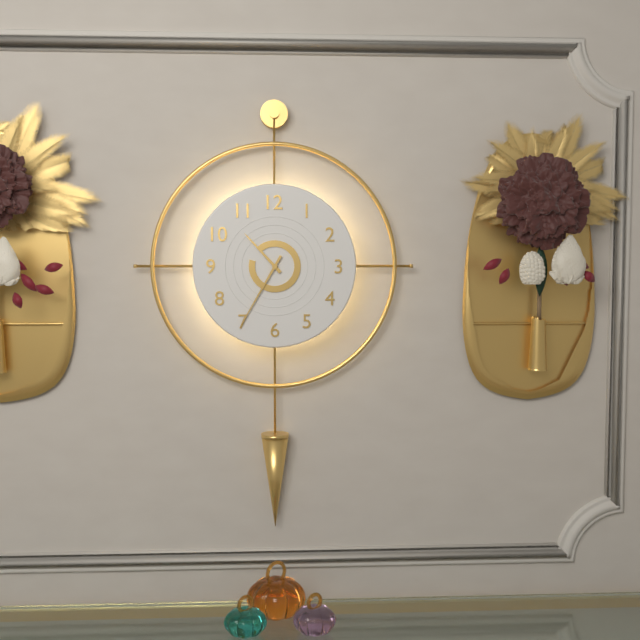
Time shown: **10:35**
